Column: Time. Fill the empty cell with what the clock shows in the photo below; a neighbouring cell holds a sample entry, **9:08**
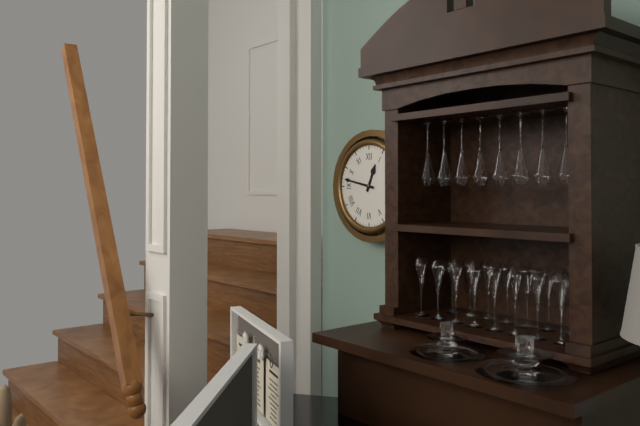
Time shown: **12:47**
